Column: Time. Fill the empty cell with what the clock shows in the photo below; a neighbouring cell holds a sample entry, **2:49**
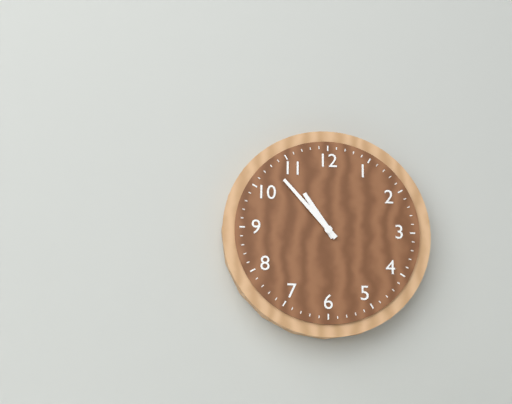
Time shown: **10:53**
